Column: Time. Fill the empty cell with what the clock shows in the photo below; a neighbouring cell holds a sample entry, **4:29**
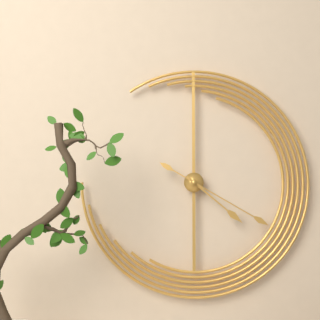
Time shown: **4:20**
